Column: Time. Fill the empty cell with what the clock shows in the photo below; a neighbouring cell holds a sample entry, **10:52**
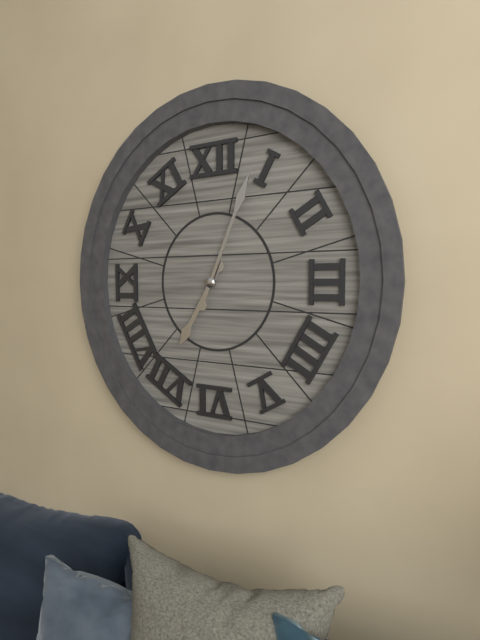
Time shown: **7:04**
